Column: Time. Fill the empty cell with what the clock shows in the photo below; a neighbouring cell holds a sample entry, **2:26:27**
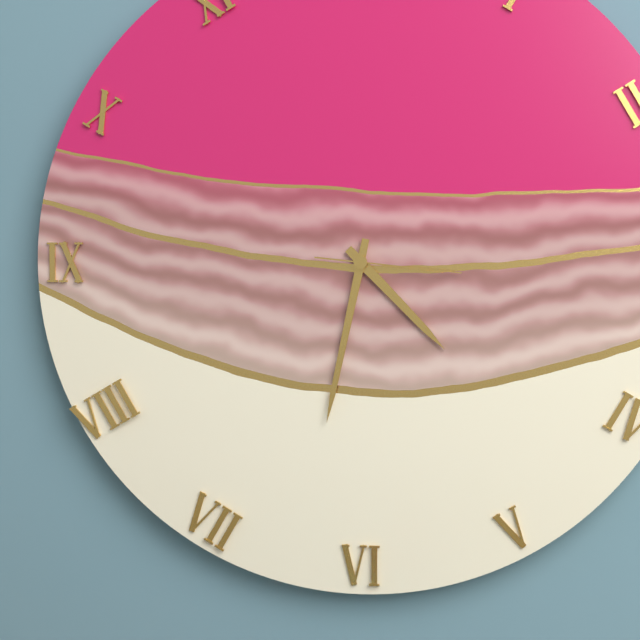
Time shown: **4:32:16**
